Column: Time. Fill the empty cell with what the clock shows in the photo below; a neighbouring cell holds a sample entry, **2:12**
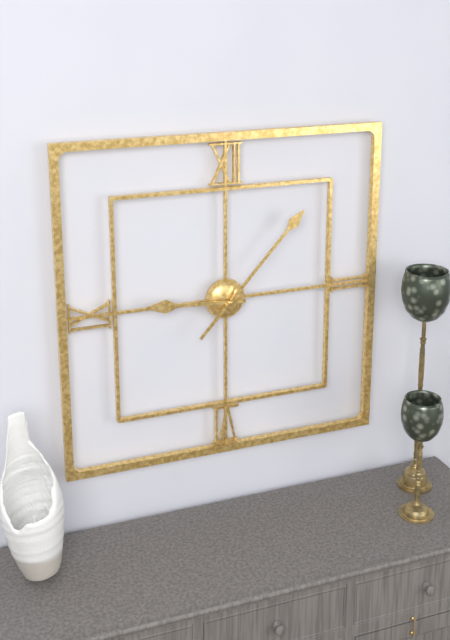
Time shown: **9:07**
